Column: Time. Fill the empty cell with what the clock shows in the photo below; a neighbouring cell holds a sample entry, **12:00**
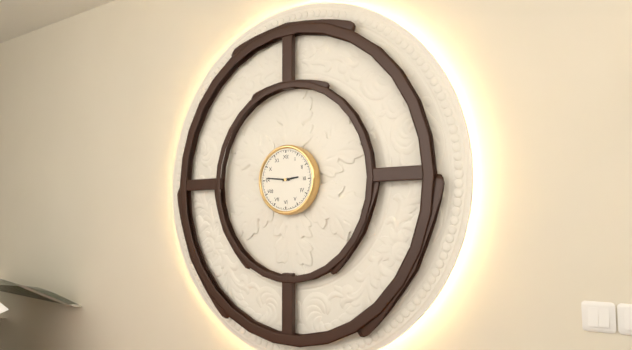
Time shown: **2:46**
